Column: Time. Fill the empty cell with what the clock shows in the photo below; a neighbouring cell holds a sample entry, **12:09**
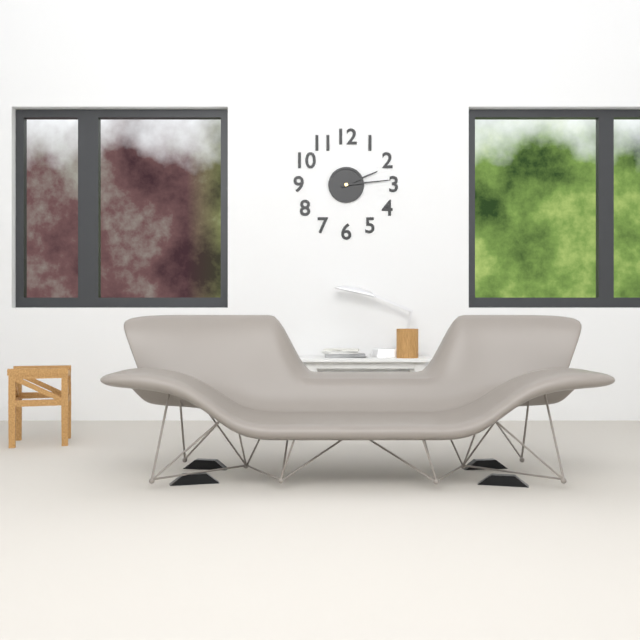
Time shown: **2:14**
